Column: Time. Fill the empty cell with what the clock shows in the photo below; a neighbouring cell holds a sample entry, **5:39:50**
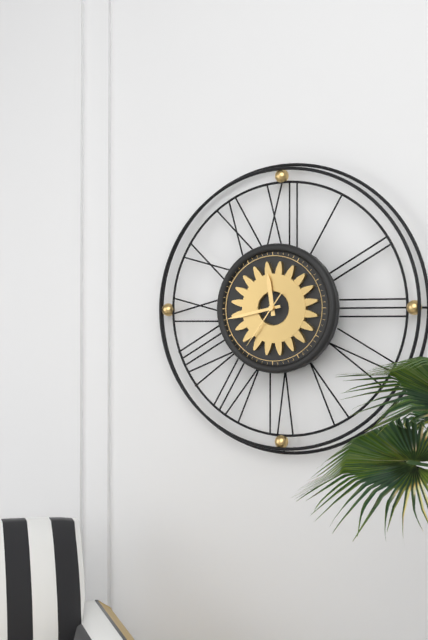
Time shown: **11:43:36**
